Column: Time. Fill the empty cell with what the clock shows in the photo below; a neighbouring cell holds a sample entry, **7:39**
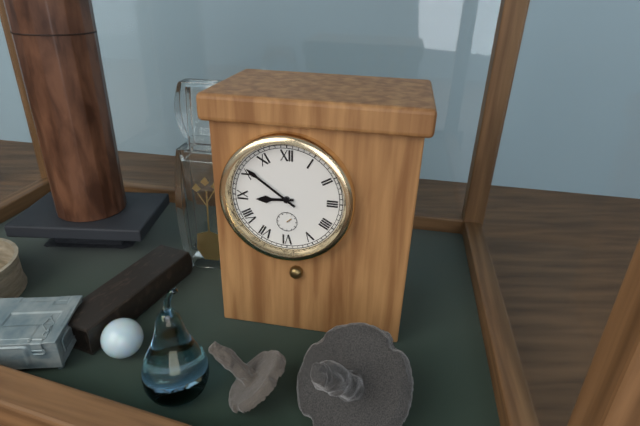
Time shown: **8:51**
